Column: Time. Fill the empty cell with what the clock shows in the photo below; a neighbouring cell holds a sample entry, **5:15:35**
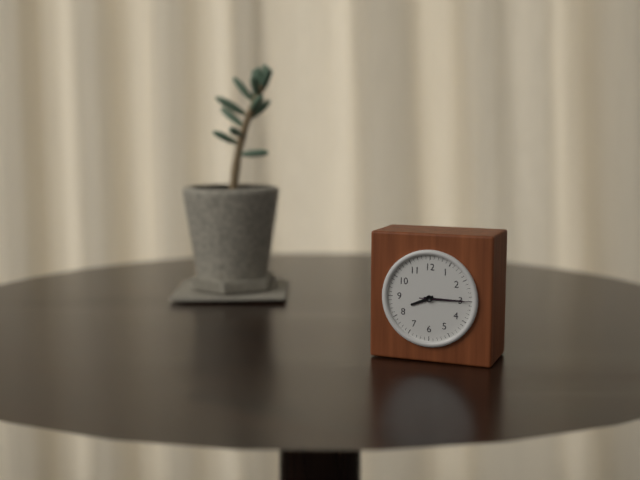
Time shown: **8:15:15**
